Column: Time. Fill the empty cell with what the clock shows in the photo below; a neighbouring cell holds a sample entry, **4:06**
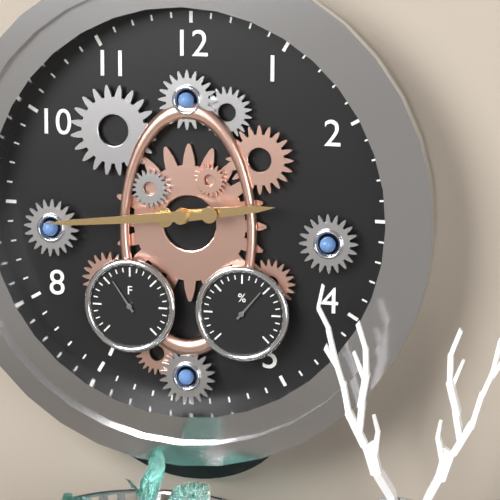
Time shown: **2:44**
